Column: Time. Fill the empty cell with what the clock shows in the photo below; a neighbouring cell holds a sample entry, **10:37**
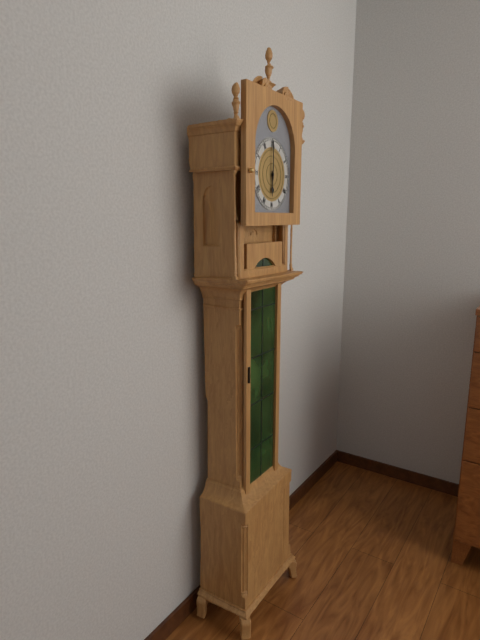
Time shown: **6:00**
